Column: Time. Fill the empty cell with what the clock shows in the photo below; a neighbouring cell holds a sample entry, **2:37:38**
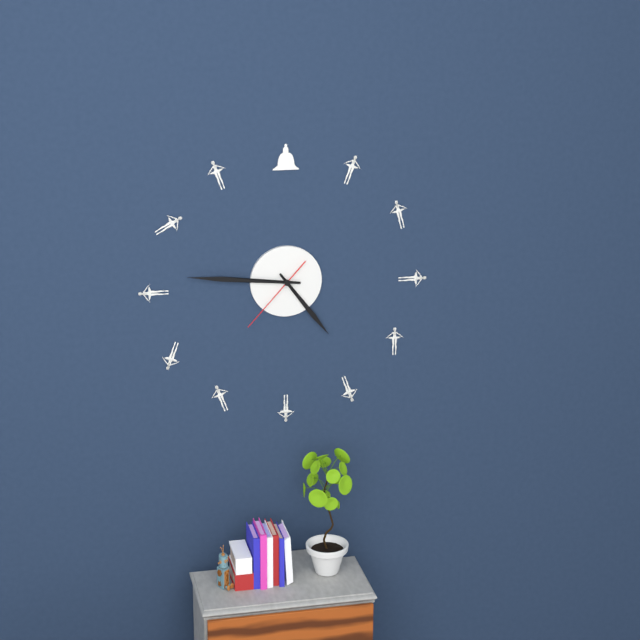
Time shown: **4:46:37**
